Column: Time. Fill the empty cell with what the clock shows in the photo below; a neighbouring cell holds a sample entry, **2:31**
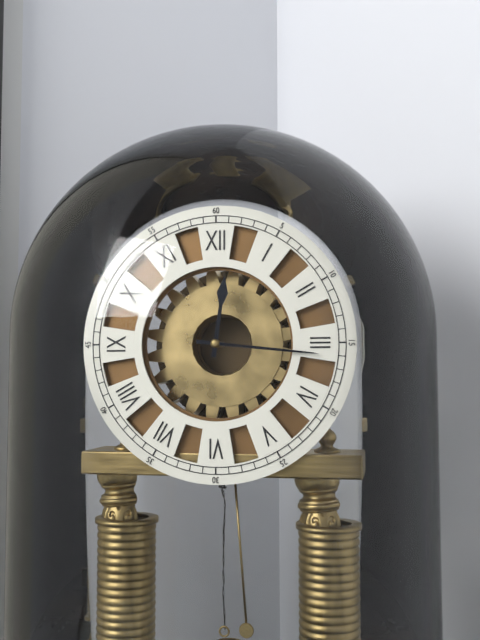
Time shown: **12:16**
